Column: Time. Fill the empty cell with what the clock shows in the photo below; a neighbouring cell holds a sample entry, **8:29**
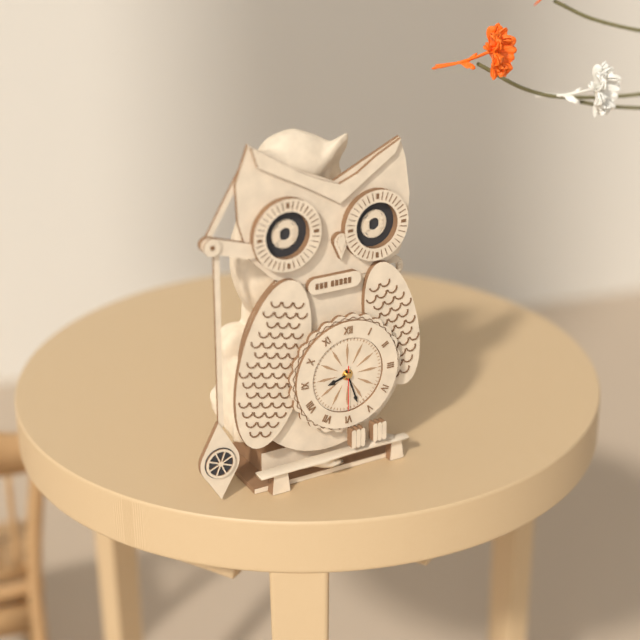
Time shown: **8:27**
